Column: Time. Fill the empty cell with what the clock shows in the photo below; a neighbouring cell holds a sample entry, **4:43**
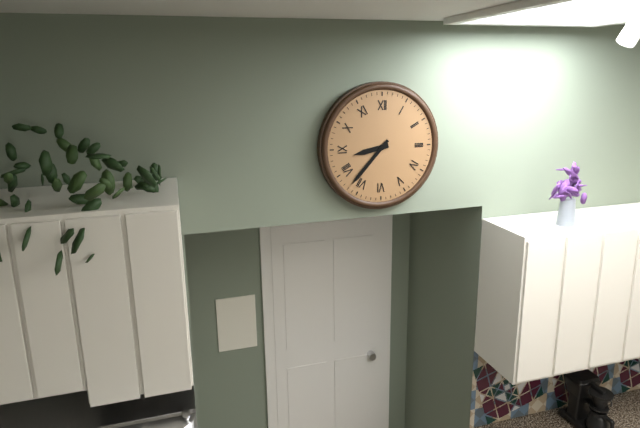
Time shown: **8:37**
